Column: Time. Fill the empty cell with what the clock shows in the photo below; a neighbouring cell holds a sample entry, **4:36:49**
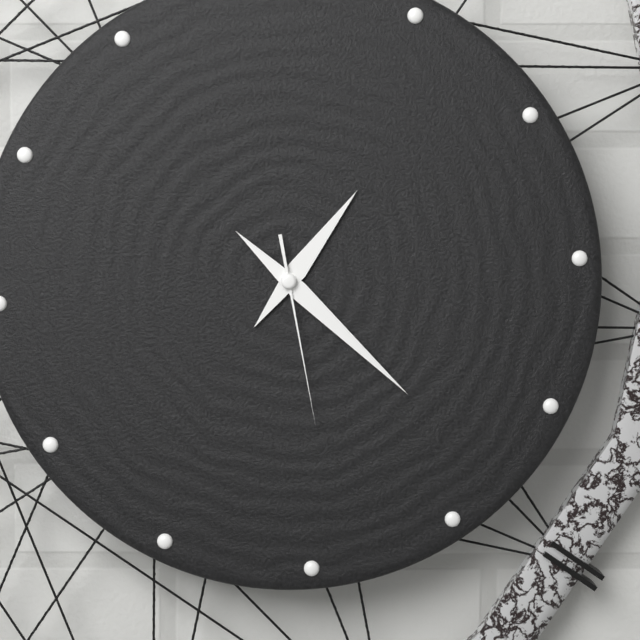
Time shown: **1:23:29**
